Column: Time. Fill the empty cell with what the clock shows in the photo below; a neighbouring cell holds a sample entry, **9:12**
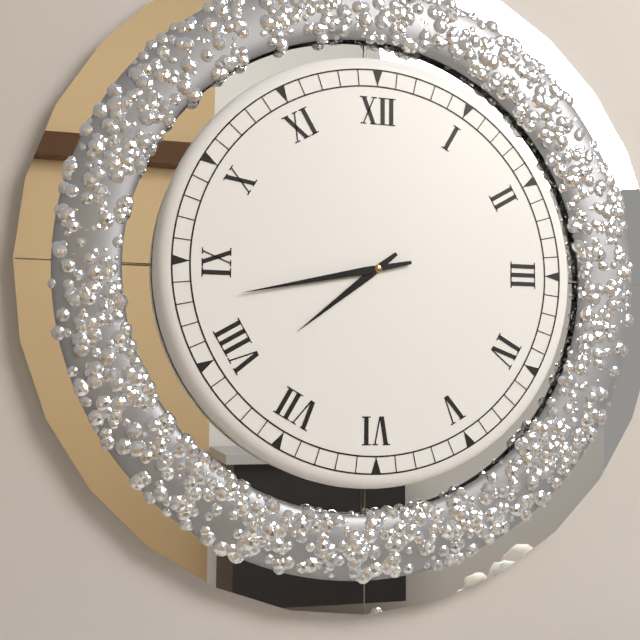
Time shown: **7:43**
